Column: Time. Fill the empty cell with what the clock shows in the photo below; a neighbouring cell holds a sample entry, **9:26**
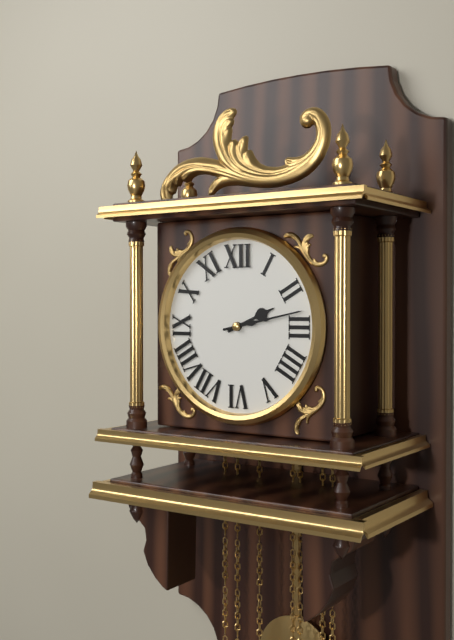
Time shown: **2:13**
